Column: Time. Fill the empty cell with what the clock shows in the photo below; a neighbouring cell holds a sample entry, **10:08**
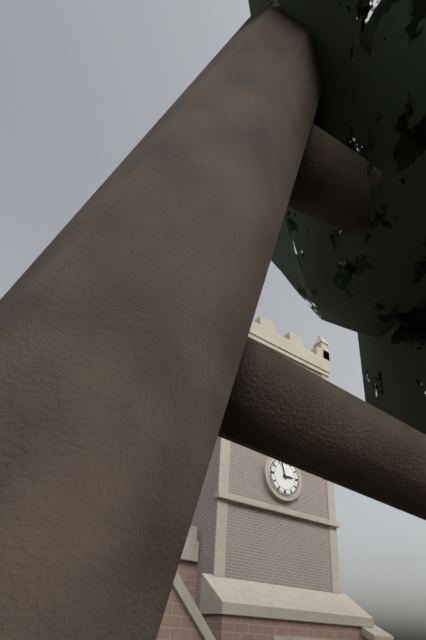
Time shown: **2:57**
